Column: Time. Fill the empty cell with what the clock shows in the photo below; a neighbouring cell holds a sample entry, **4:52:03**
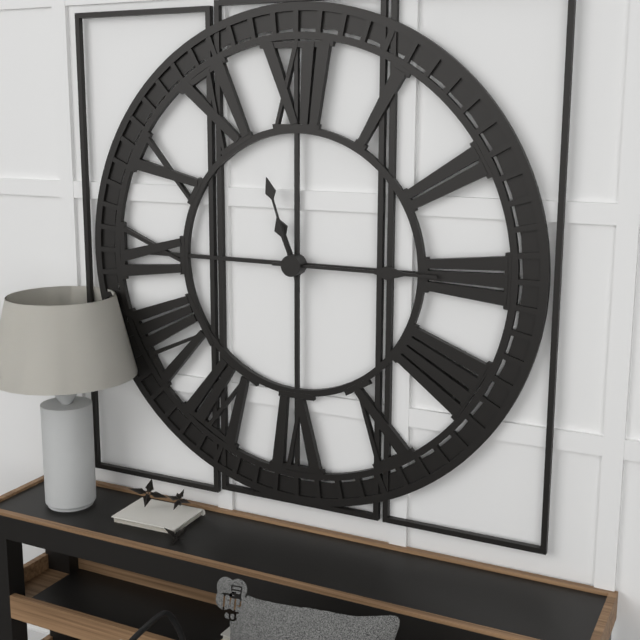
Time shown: **11:15:57**
